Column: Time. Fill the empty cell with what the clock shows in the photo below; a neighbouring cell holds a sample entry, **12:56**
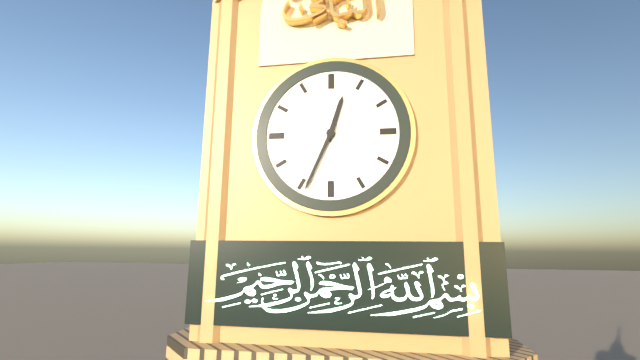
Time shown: **12:34**
